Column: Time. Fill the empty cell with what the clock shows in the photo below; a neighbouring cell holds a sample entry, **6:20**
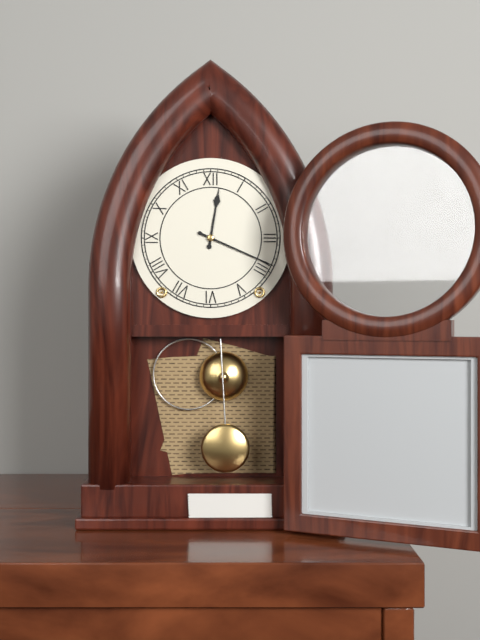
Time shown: **12:19**
